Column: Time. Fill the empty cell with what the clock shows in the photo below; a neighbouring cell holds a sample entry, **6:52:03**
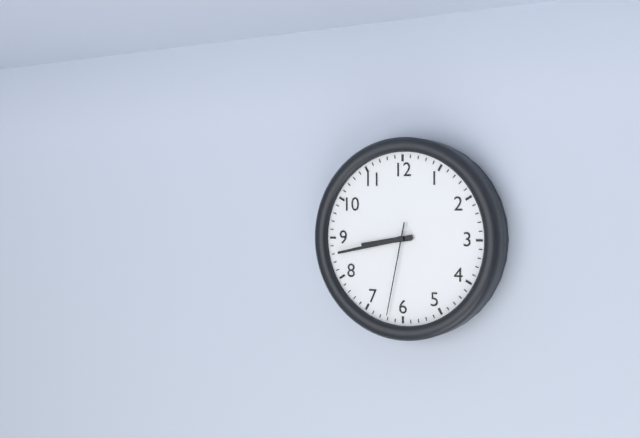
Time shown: **8:43:32**
